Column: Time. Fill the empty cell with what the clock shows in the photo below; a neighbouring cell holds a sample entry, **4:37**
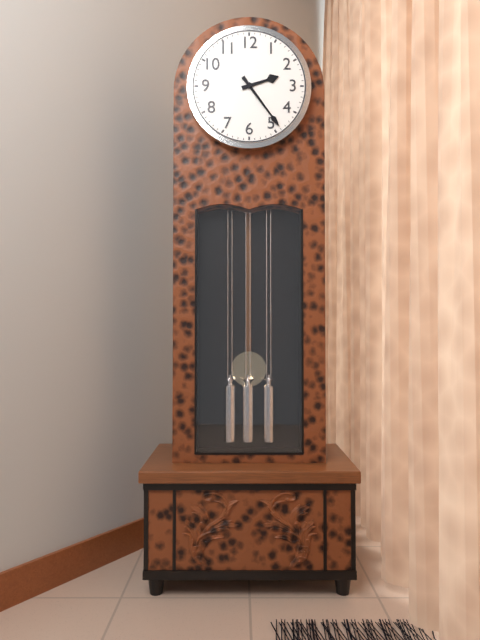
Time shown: **2:24**
